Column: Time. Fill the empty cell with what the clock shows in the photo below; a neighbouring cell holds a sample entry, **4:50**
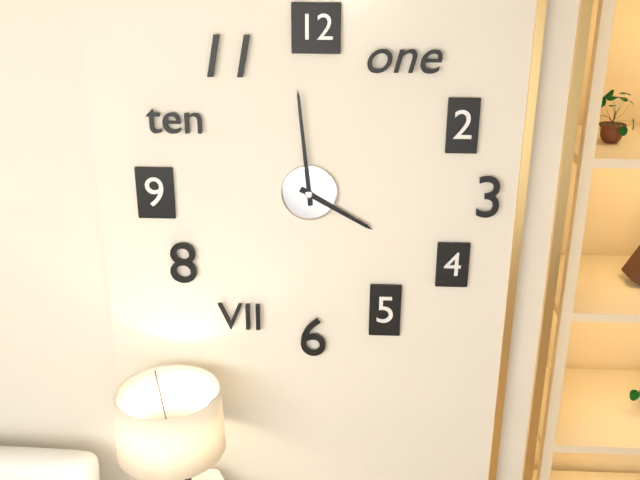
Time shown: **3:59**
